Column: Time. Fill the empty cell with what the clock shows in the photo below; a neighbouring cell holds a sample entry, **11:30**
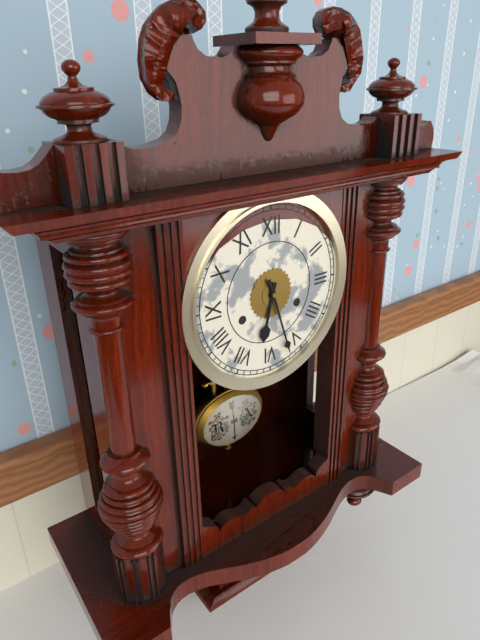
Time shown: **6:27**
